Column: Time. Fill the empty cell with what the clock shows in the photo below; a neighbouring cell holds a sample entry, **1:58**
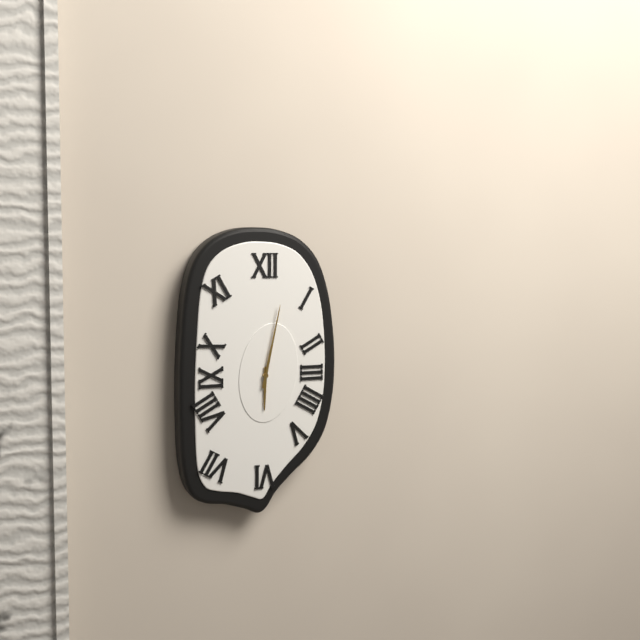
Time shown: **6:02**
